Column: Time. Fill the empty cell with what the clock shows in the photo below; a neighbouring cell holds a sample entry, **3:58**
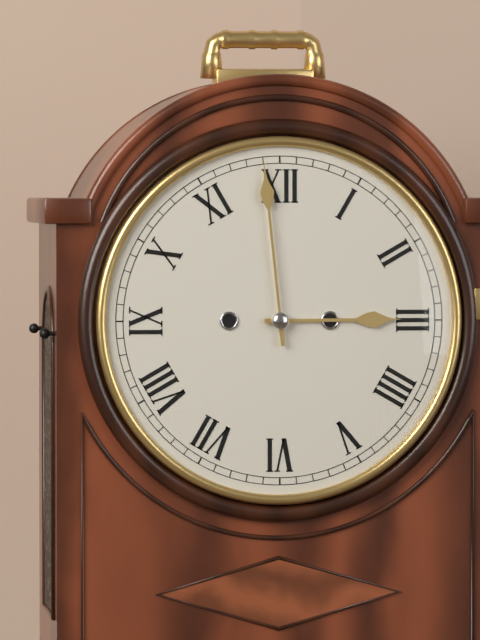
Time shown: **2:59**
